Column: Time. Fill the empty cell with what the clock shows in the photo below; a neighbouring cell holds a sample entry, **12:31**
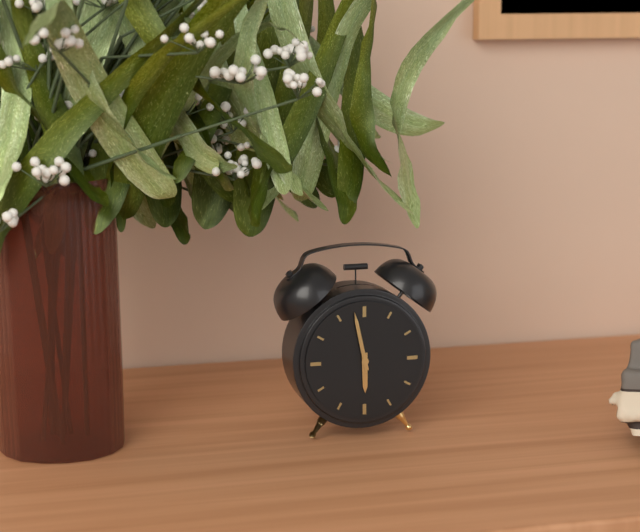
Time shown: **5:58**
